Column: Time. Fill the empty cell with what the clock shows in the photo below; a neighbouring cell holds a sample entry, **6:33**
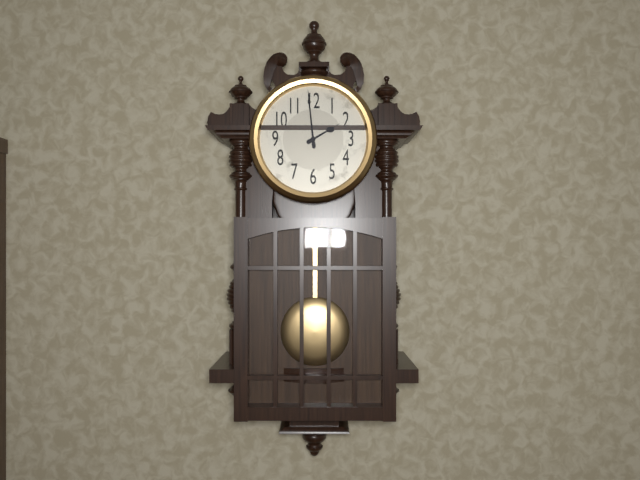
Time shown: **1:59**
